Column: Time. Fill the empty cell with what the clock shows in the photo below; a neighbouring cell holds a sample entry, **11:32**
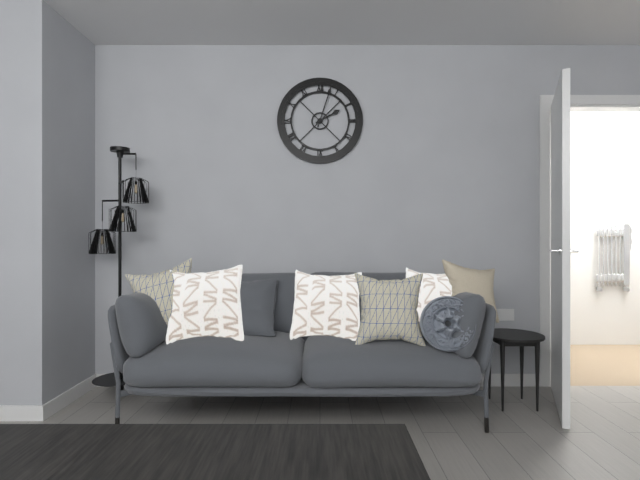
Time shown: **2:03**
